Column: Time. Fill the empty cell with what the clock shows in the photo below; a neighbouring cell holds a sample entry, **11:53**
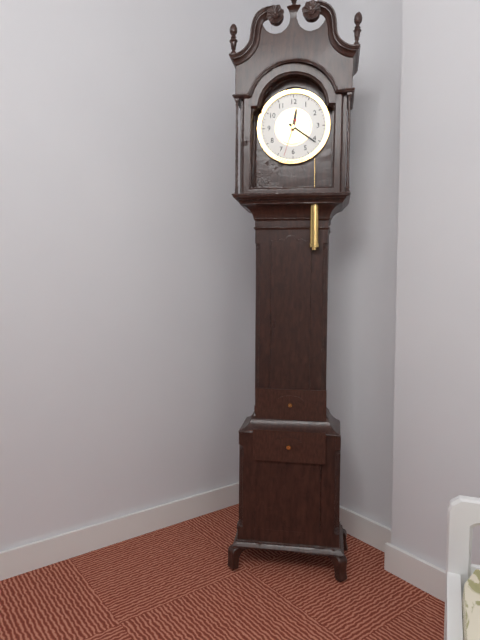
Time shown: **12:21**
